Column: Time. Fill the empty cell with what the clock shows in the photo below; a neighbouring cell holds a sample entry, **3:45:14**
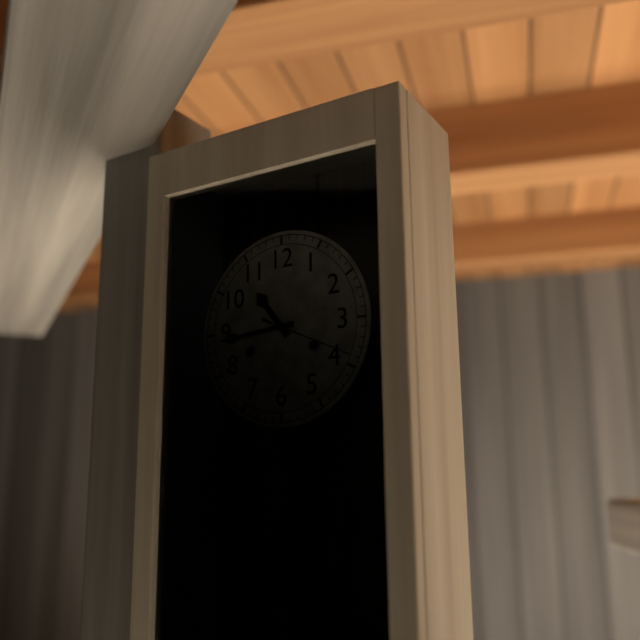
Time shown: **10:44:19**
